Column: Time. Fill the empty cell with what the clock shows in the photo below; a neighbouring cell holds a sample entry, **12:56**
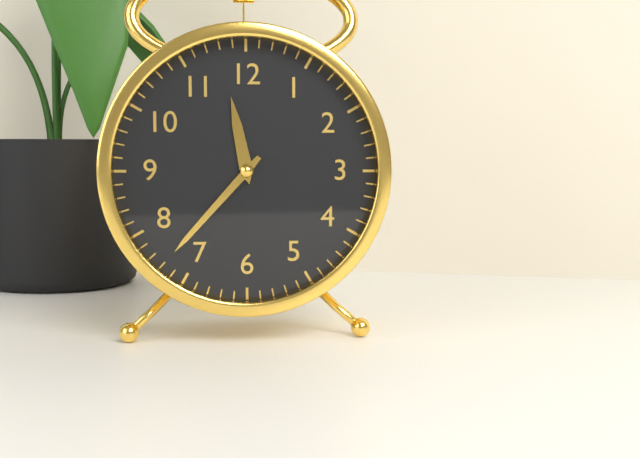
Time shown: **11:37**
